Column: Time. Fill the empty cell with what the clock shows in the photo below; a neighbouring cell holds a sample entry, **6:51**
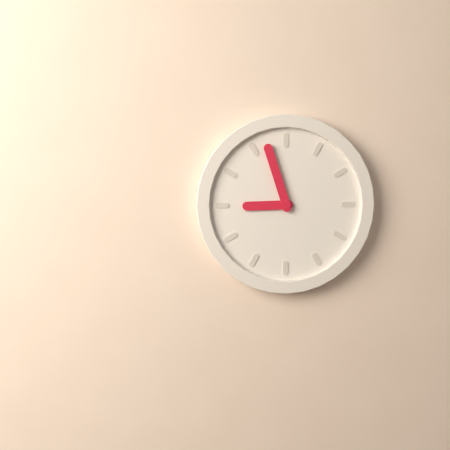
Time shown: **8:57**
